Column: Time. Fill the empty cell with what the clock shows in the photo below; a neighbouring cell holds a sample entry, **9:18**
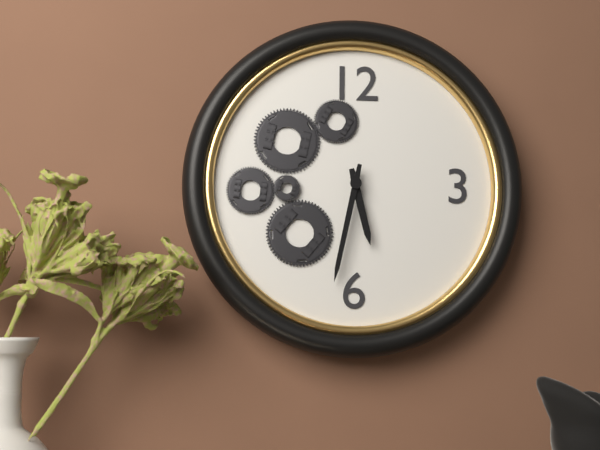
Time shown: **5:32**
